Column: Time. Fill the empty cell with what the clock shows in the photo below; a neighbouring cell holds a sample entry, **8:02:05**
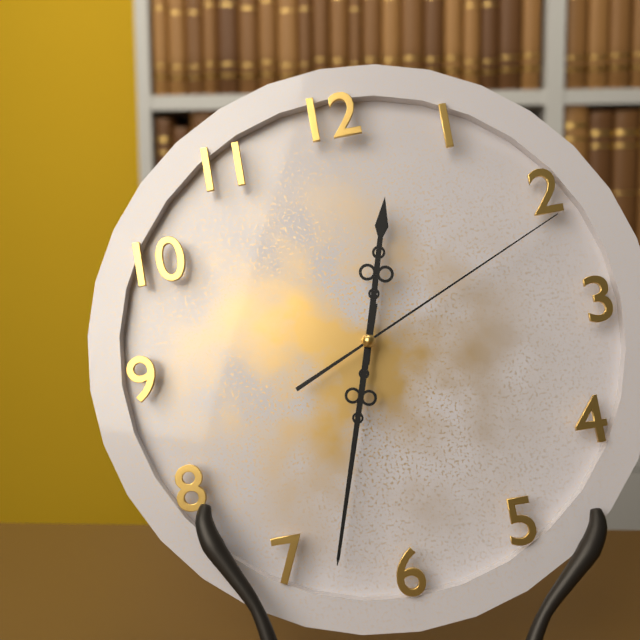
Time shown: **12:33:11**
